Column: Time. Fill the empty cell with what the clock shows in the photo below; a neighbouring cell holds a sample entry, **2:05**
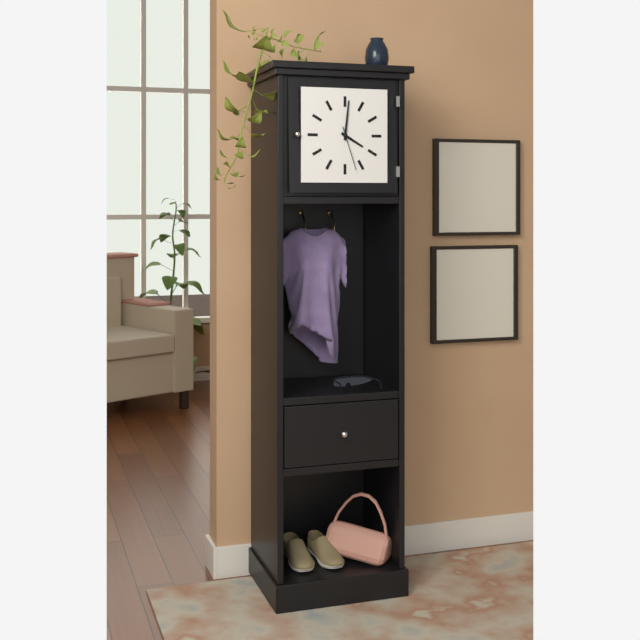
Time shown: **4:01**
